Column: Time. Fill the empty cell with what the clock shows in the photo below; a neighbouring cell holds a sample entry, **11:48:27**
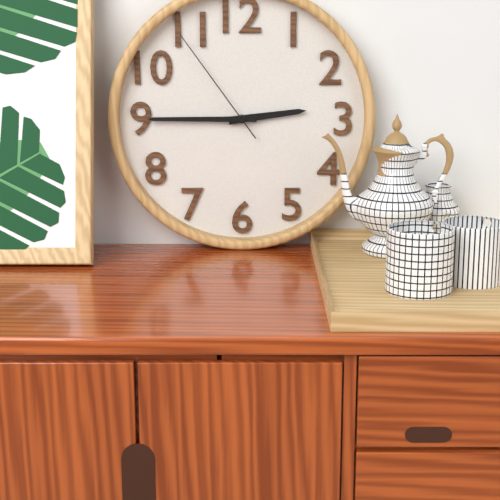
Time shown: **2:45:54**
